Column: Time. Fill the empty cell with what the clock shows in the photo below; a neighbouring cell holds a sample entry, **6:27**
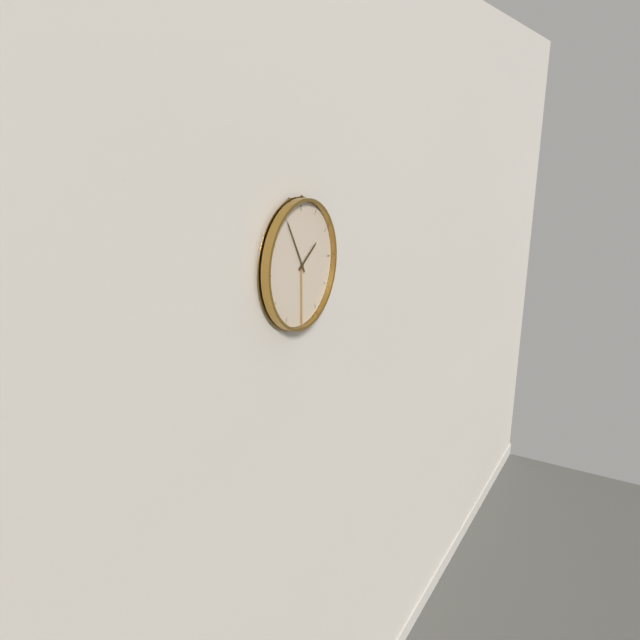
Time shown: **1:55**
